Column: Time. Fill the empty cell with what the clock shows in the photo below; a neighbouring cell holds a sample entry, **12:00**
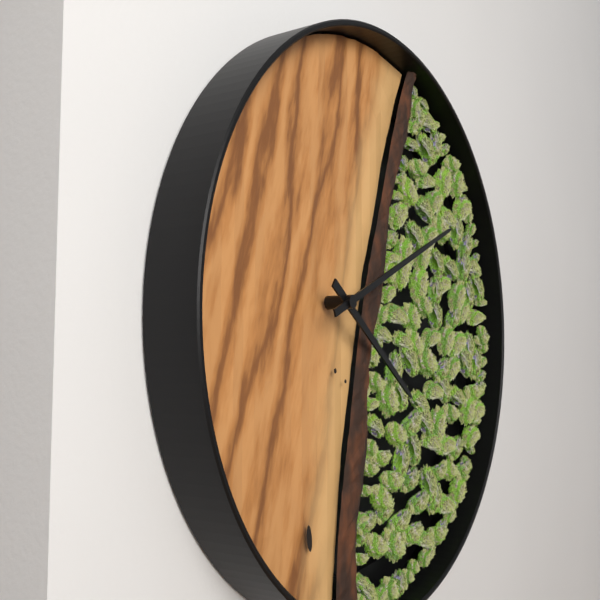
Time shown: **4:11**
